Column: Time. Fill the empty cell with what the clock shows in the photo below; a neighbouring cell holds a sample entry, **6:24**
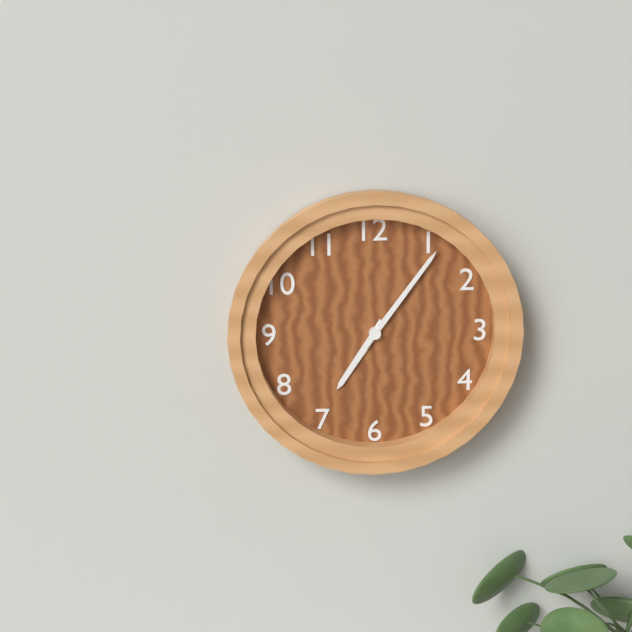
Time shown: **7:06**
